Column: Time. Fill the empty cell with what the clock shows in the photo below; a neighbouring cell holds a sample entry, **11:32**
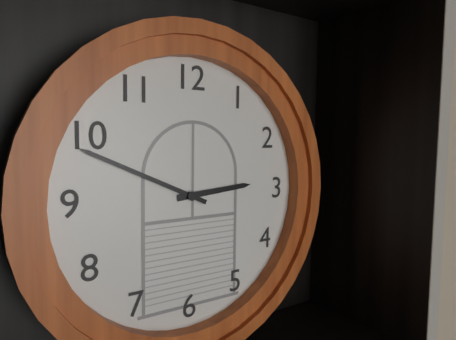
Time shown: **2:49**
